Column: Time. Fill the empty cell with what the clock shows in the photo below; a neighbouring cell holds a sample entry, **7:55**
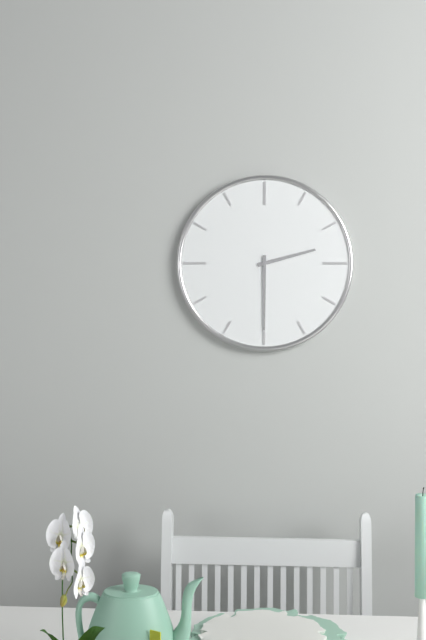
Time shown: **2:30**
